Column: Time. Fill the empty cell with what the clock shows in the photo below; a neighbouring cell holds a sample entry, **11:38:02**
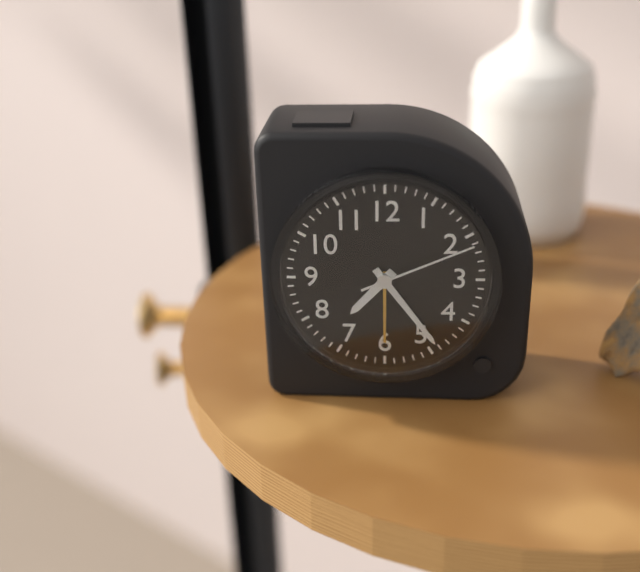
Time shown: **7:24:11**
